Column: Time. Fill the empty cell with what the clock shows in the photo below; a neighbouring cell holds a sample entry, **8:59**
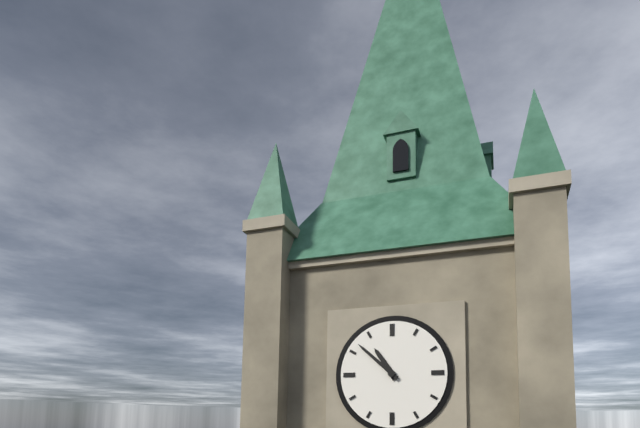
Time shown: **10:52**
